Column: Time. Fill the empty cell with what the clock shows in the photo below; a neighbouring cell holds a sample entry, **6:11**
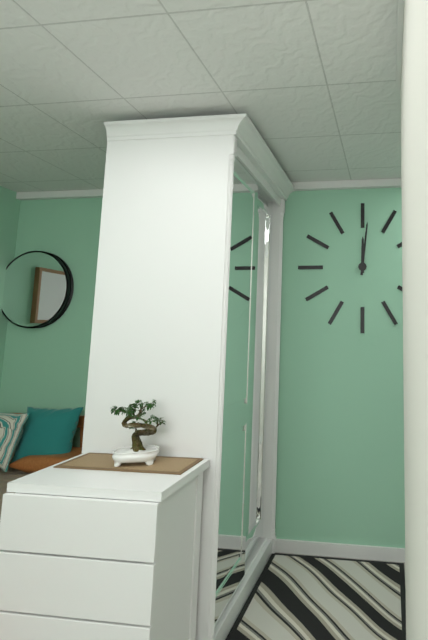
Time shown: **12:01**
